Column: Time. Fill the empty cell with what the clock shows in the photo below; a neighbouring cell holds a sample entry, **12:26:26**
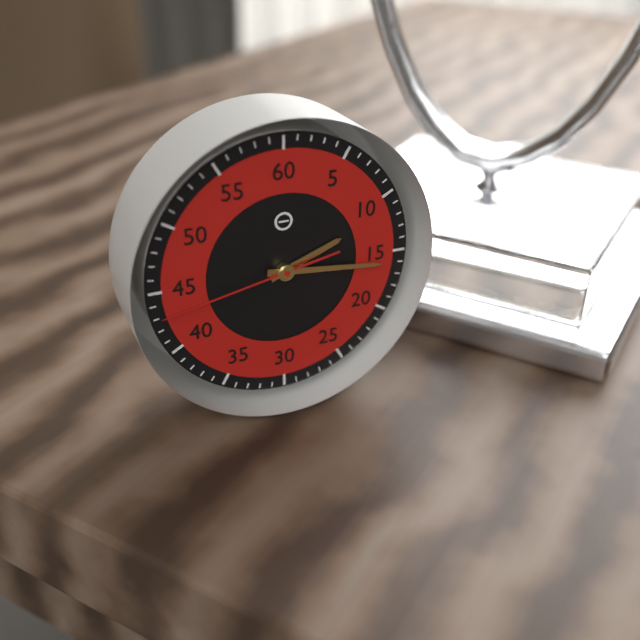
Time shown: **2:16:43**
